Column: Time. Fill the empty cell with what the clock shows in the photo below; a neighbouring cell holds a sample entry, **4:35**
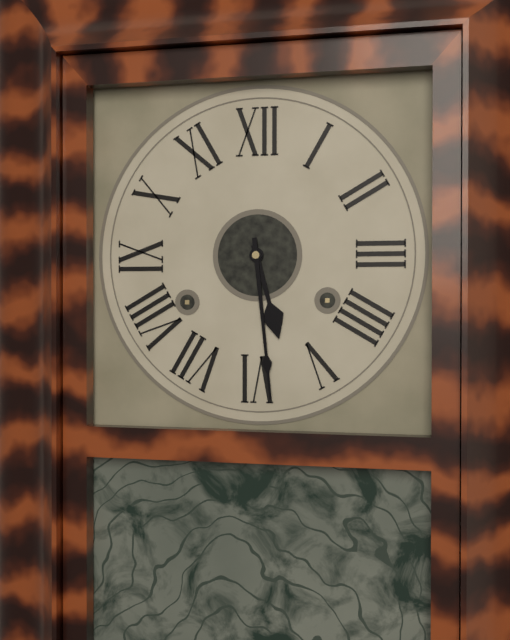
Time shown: **5:29**
